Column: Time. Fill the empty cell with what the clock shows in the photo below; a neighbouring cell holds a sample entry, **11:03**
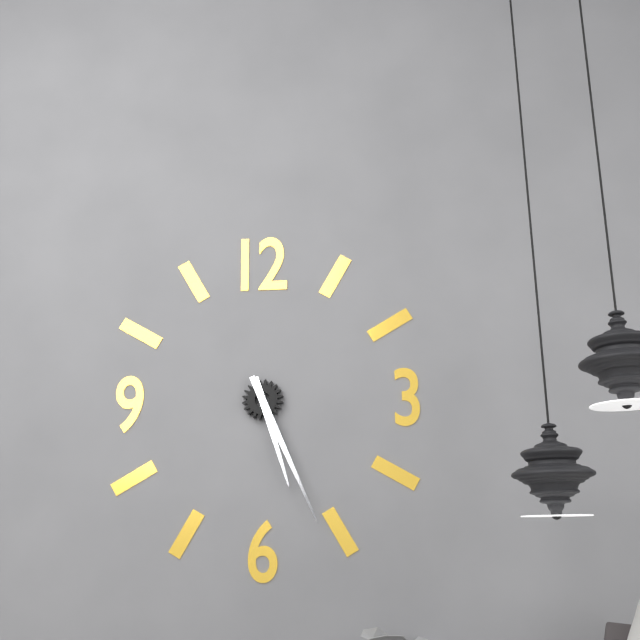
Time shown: **5:26**
